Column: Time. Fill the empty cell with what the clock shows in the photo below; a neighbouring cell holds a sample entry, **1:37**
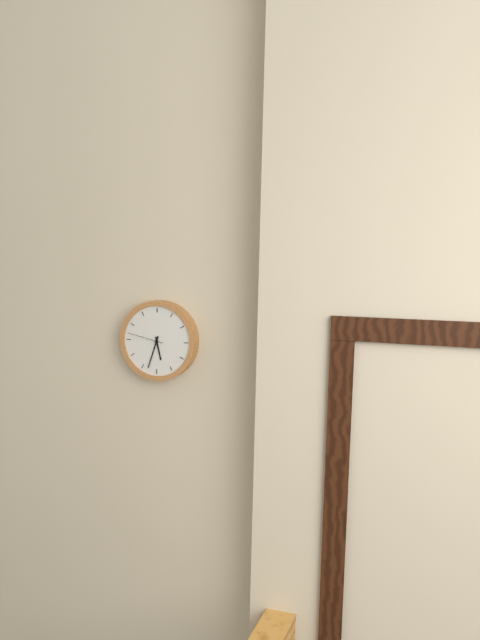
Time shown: **5:33**
